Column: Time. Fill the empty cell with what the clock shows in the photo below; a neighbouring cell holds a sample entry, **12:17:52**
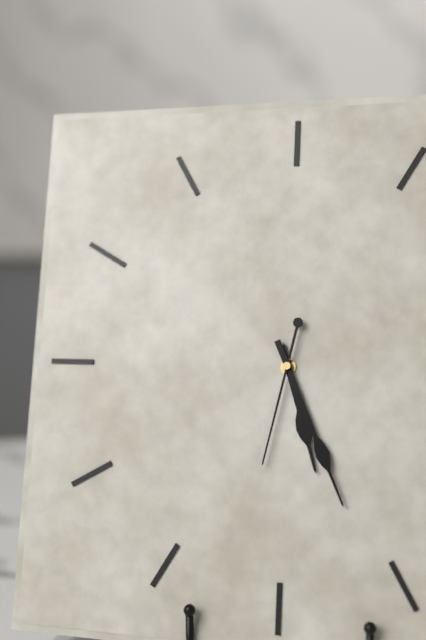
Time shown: **5:26:32**
